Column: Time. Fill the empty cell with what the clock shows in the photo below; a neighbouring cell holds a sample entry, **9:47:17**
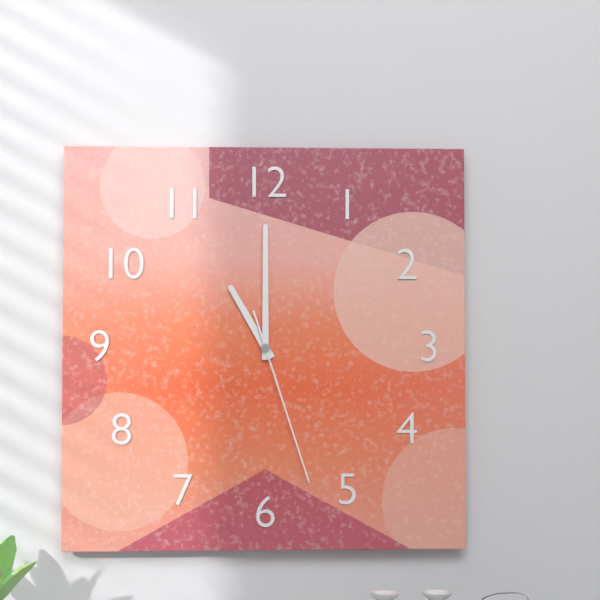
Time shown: **11:00:27**
